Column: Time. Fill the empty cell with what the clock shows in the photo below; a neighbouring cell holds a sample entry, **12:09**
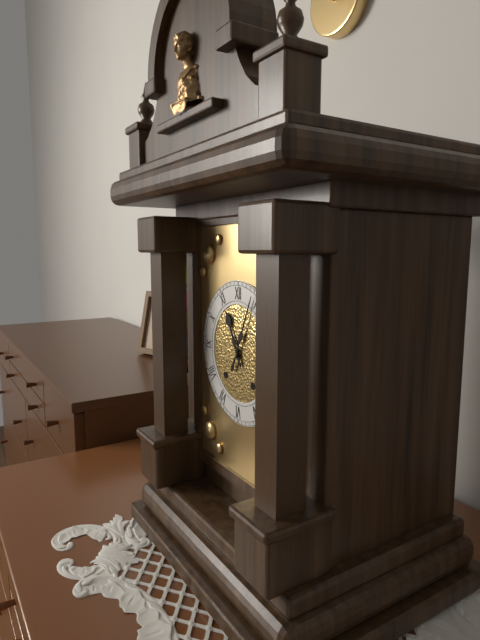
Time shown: **11:04**
